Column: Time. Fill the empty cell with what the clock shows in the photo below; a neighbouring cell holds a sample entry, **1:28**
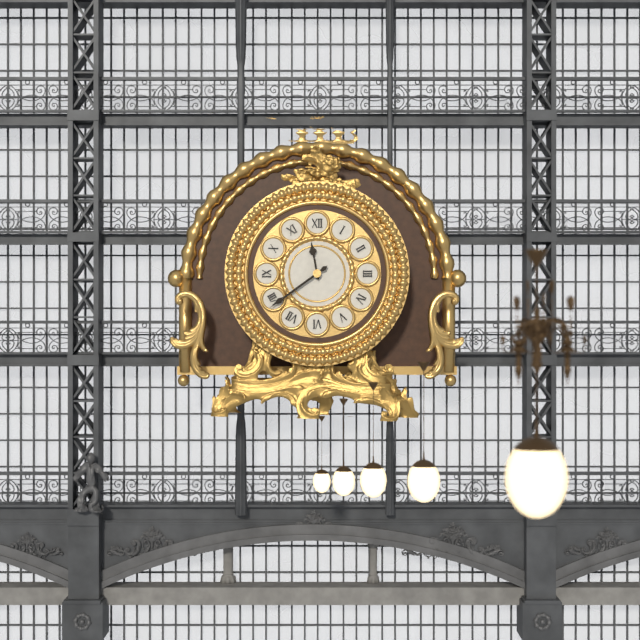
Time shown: **11:39**
